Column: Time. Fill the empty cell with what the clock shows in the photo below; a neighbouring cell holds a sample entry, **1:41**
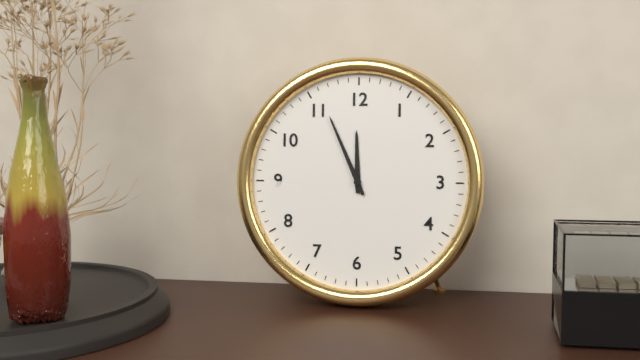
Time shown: **11:56**
